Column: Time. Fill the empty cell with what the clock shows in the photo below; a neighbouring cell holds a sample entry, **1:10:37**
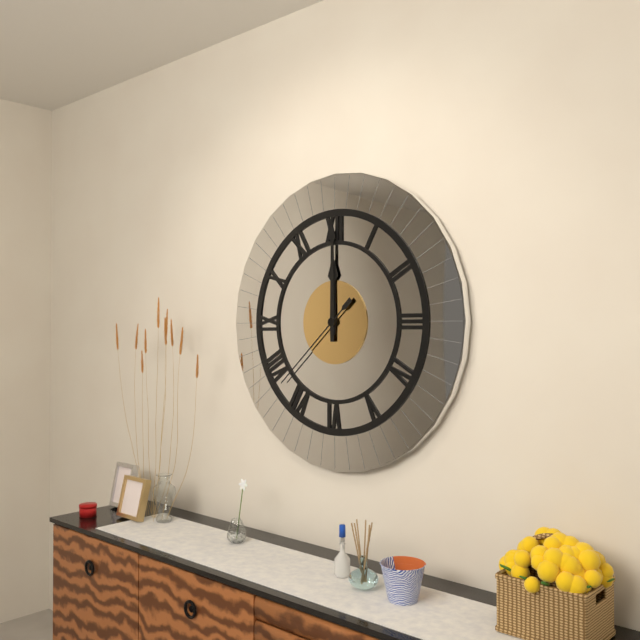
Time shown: **12:00:38**
